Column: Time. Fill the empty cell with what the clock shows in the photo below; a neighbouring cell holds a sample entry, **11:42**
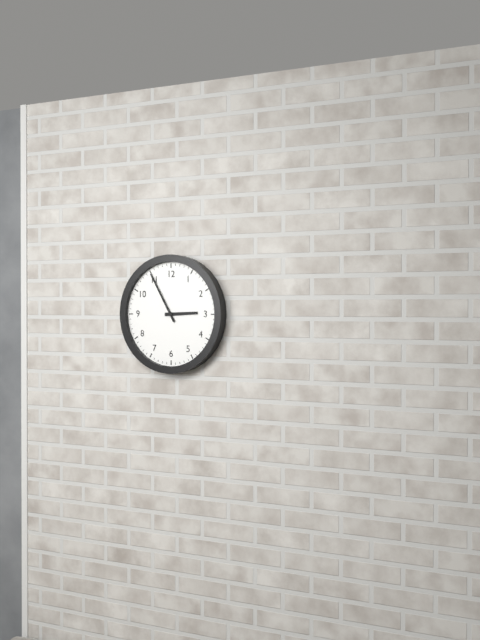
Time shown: **2:55**
